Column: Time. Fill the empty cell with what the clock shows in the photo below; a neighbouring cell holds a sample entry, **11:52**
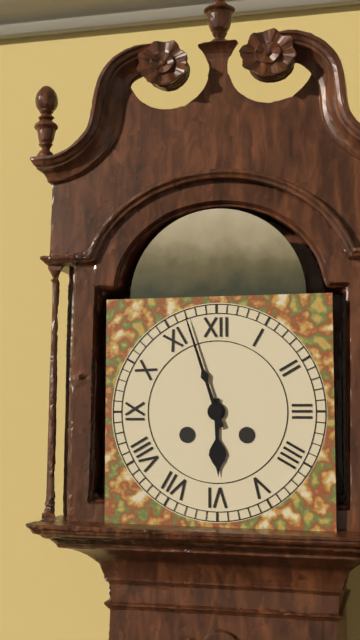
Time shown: **5:57**
